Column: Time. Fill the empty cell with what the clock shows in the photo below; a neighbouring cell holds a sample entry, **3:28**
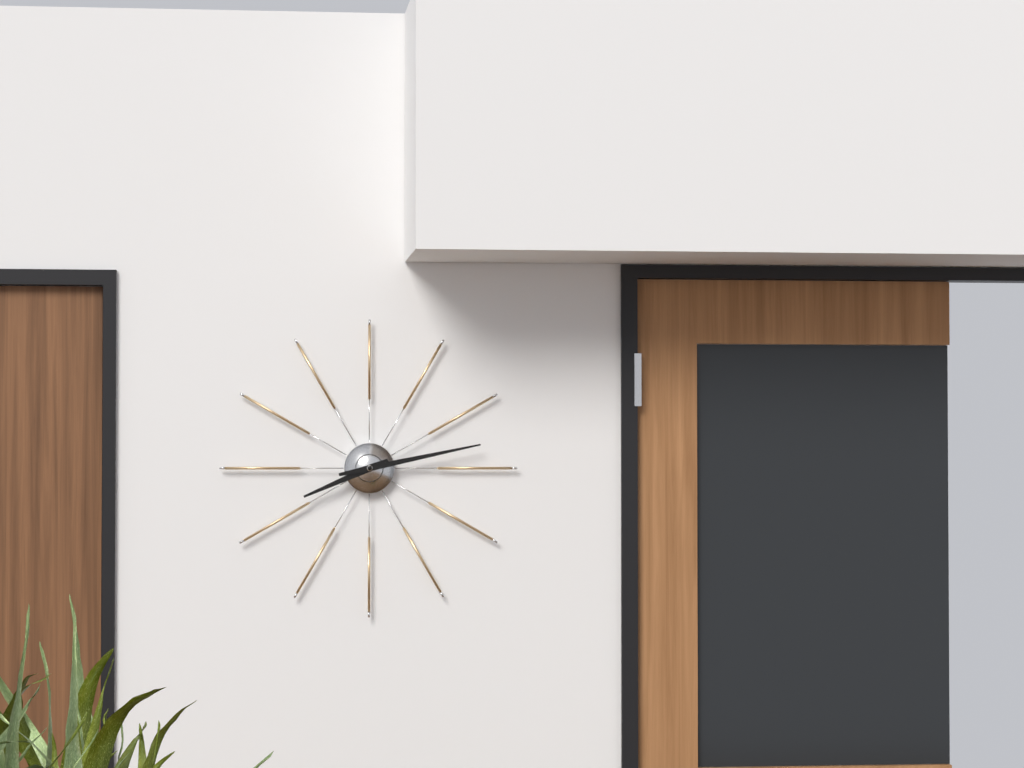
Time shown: **8:13**
